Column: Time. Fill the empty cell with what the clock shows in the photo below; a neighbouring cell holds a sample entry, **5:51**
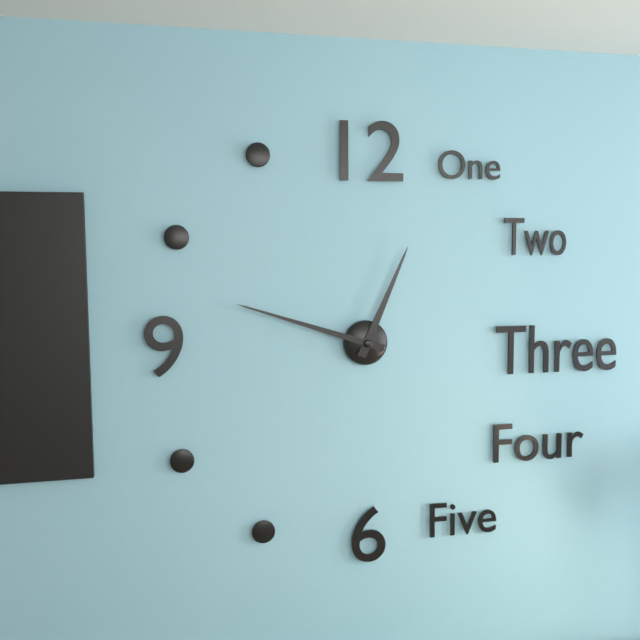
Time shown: **12:48**
